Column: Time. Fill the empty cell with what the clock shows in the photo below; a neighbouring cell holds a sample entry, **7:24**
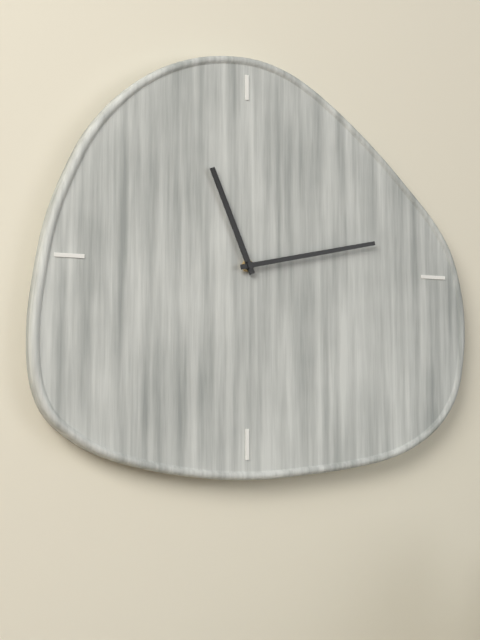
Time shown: **11:13**
